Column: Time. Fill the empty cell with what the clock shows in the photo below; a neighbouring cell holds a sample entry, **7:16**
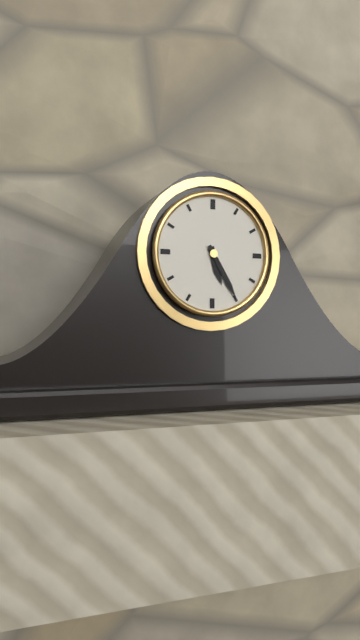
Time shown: **5:25**
